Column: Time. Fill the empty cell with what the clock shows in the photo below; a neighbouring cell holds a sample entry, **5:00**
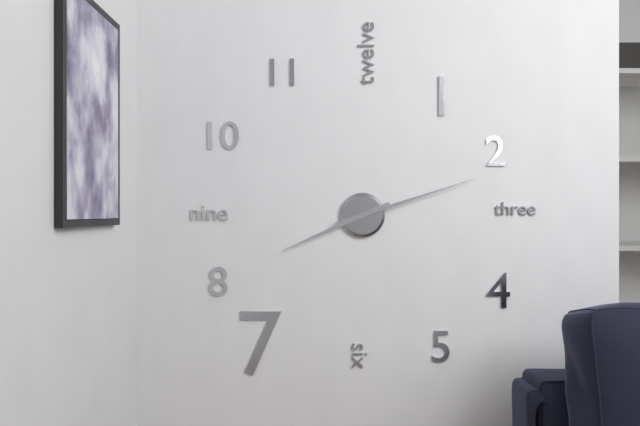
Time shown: **8:12**
